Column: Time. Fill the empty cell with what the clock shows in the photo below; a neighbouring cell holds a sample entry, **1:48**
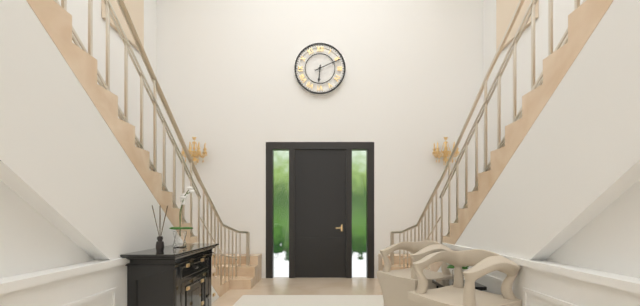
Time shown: **6:11**
